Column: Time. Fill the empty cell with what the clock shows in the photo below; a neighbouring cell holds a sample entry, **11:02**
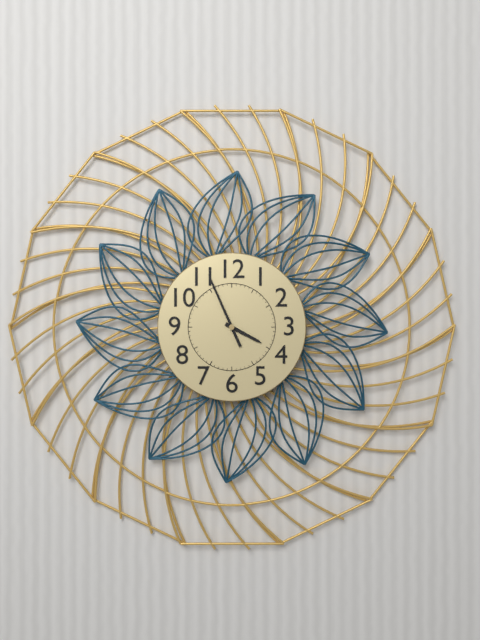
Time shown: **3:56**
